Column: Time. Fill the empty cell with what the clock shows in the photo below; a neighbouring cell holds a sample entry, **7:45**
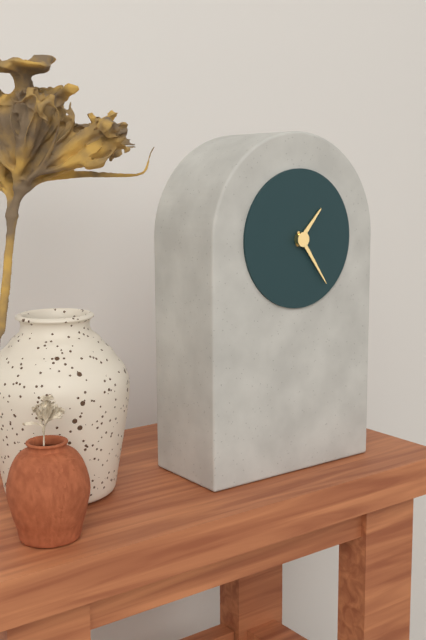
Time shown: **1:24**
